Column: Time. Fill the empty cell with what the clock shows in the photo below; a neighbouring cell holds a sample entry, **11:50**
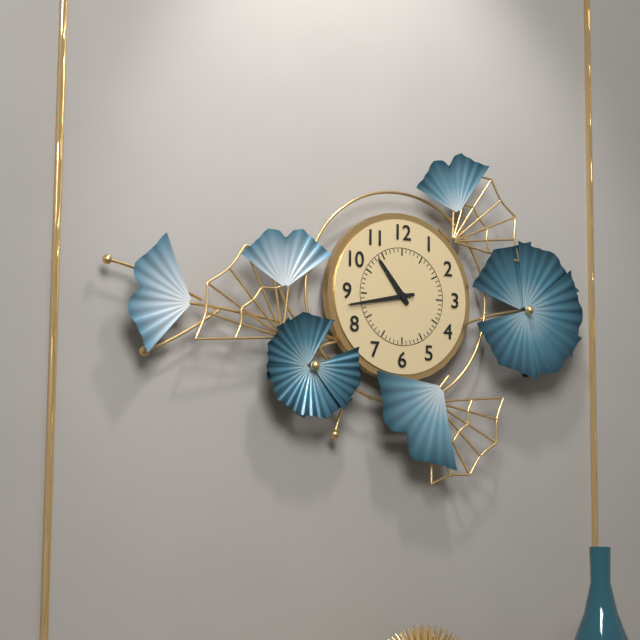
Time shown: **10:43**
